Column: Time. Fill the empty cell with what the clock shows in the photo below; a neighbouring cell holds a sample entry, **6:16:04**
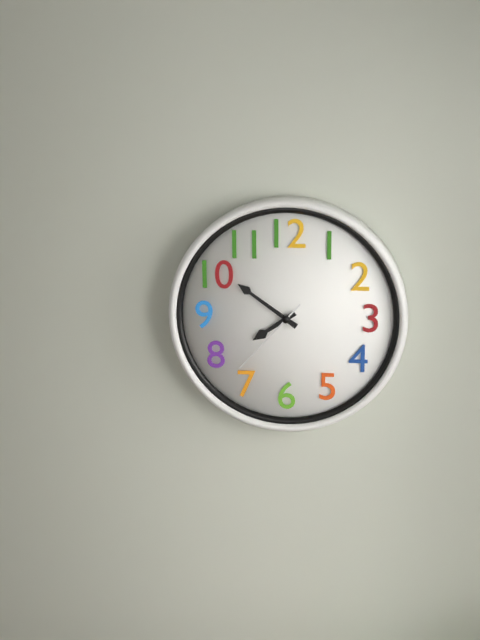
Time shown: **7:51:37**
